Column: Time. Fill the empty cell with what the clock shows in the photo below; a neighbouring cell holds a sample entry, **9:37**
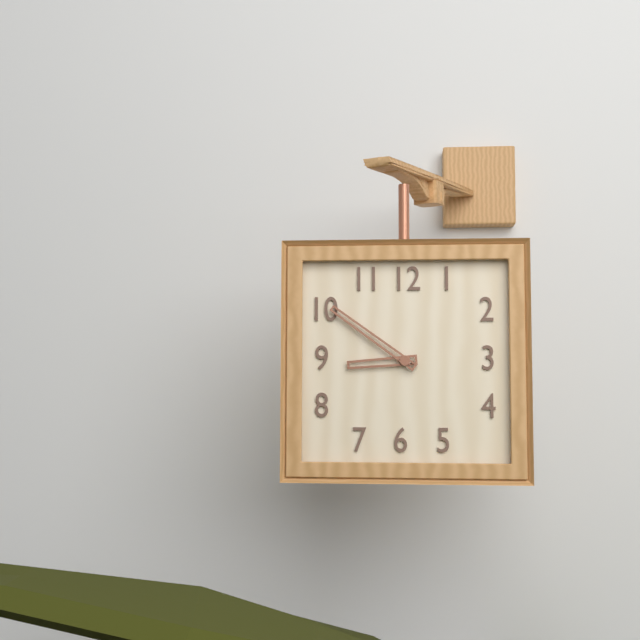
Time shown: **8:51**
